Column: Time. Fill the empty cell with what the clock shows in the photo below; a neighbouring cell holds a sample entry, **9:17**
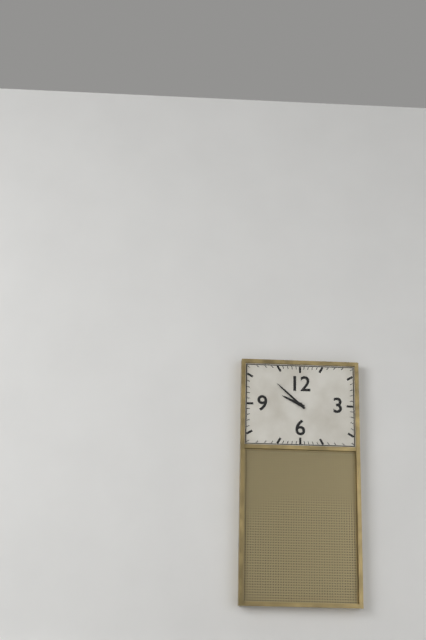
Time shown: **9:52**
